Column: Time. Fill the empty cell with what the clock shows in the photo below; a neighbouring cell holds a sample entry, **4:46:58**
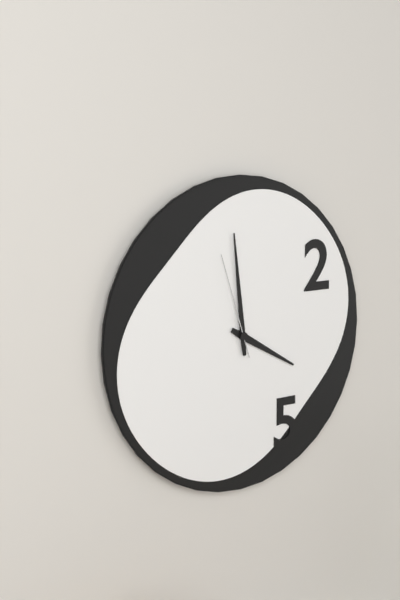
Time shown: **3:59:57**
